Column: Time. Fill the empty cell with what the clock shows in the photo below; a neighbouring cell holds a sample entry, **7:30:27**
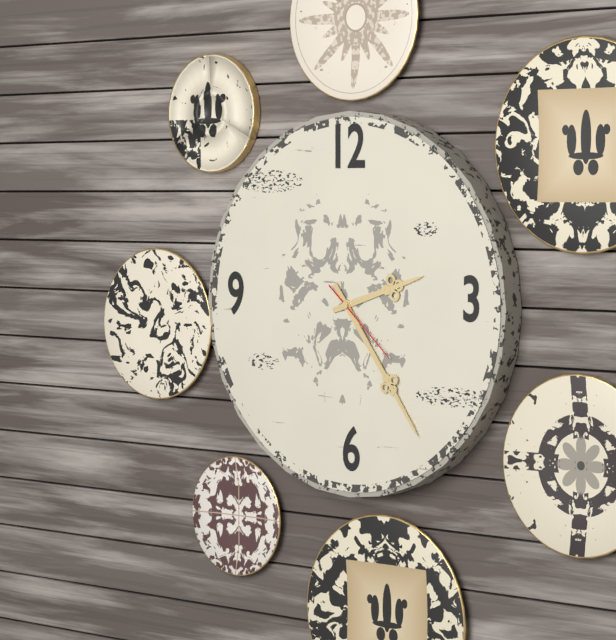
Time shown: **2:24:22**
